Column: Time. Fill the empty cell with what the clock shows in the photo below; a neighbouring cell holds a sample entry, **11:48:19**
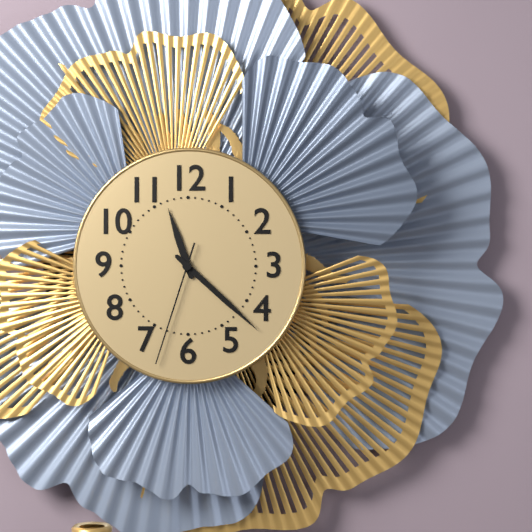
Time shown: **11:22:33**
